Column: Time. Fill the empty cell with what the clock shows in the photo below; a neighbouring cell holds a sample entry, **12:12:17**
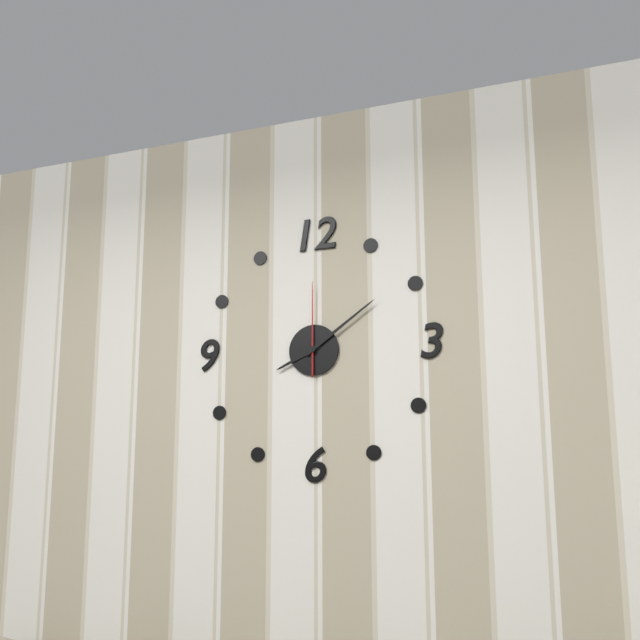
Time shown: **8:09:00**
